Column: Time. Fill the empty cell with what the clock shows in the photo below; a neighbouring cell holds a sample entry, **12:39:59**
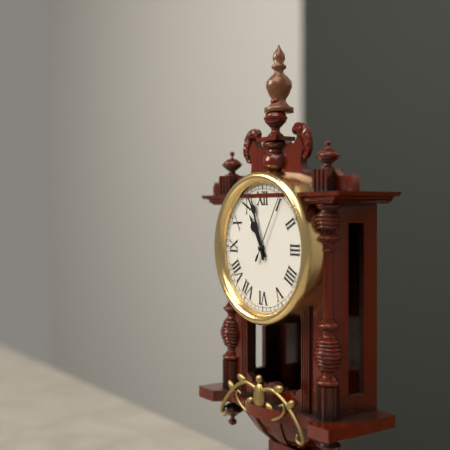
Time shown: **10:57:05**
